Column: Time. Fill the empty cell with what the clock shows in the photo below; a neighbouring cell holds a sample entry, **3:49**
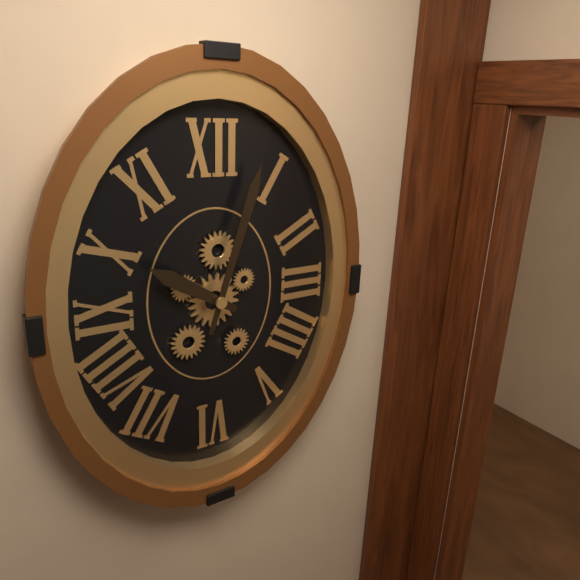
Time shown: **10:03**
